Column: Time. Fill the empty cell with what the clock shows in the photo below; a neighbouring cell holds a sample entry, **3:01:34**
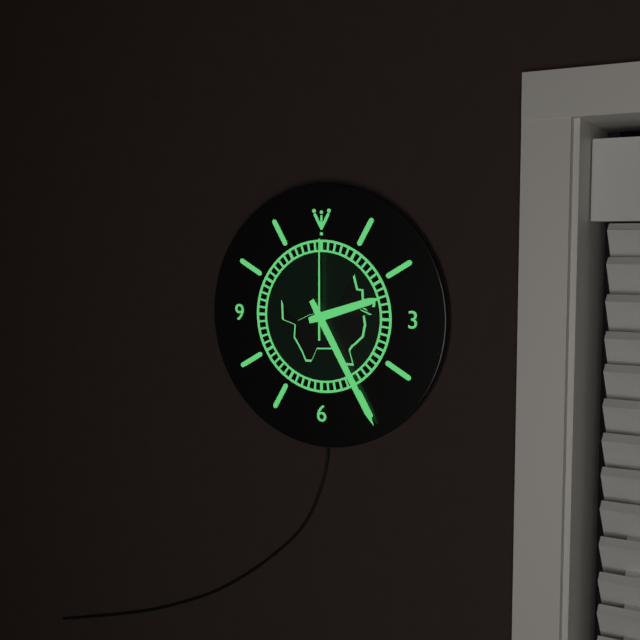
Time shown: **2:25:00**
